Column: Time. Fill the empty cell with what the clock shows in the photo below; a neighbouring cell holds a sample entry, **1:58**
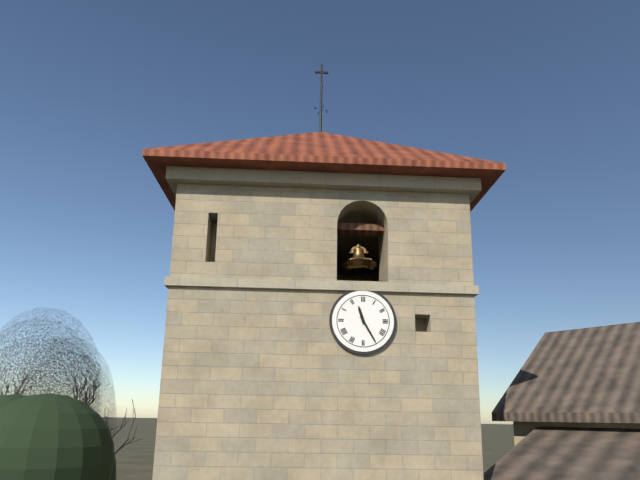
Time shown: **11:25**
